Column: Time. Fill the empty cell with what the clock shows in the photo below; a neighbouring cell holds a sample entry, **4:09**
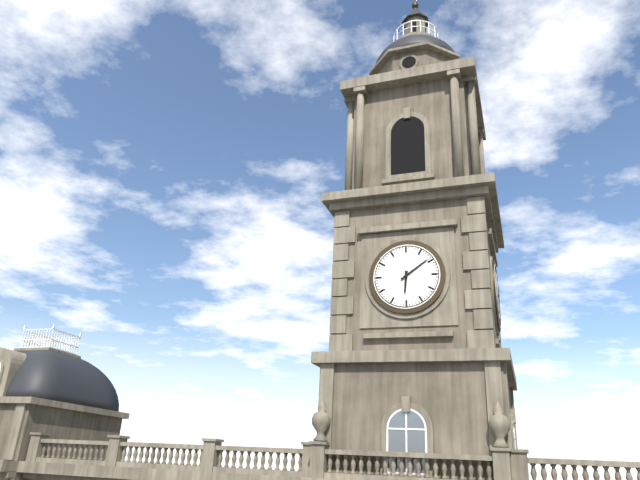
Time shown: **6:09**
